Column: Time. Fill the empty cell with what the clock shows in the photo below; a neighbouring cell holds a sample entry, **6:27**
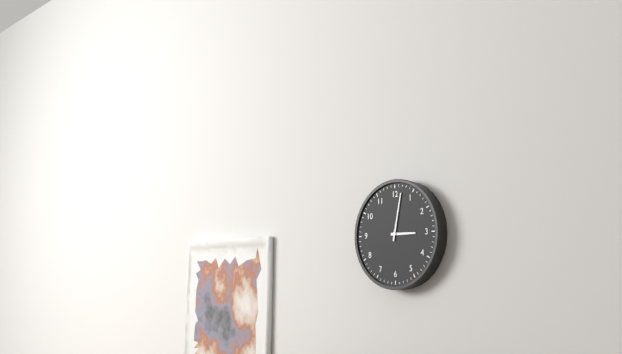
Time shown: **3:02**
